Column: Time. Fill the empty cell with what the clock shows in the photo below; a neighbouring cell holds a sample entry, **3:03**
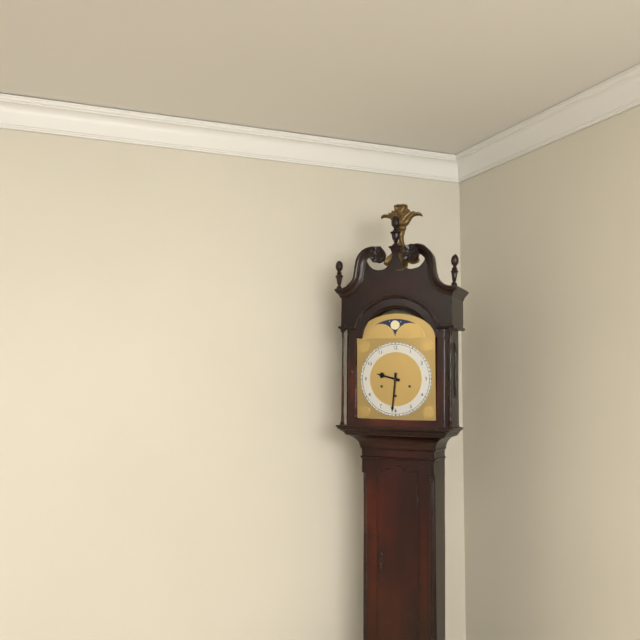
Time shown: **9:31**
